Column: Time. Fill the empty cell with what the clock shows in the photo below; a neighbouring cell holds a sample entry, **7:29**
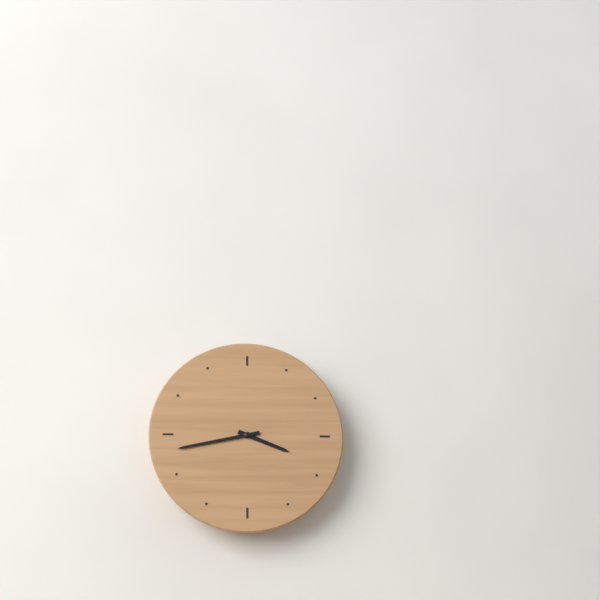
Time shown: **3:43**
